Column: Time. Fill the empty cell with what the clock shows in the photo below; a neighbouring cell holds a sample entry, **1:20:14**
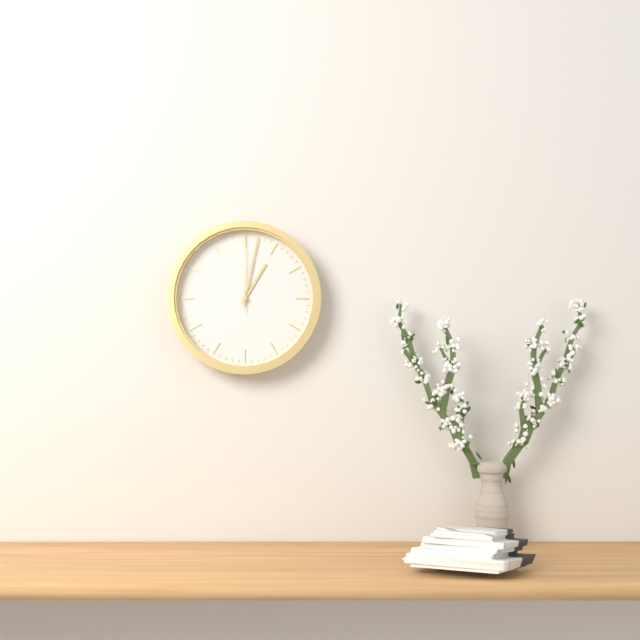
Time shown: **1:02:00**
